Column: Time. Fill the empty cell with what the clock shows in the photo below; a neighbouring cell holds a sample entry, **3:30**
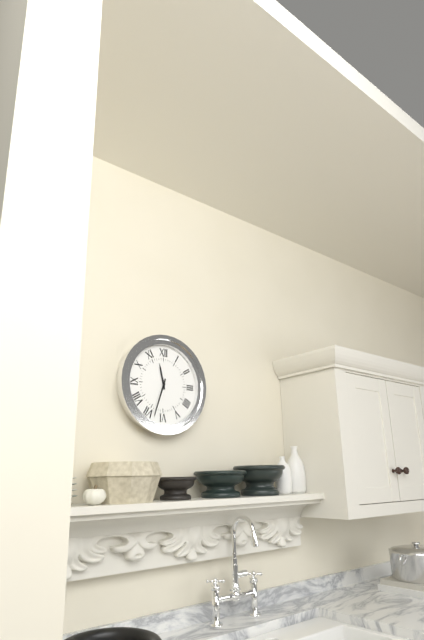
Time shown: **11:33**
